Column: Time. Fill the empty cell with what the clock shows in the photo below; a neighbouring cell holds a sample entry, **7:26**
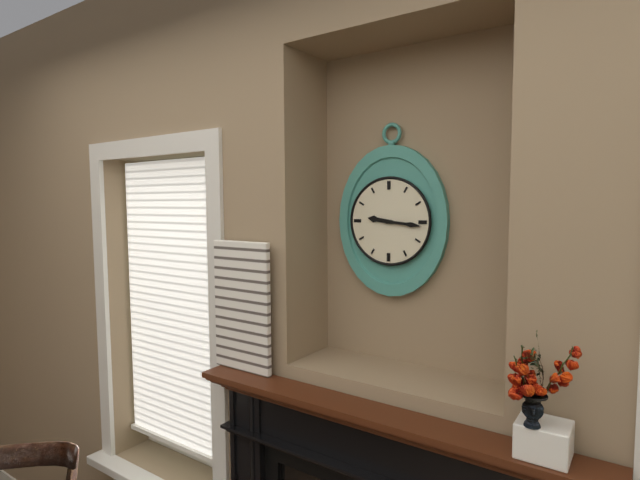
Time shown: **9:16**
